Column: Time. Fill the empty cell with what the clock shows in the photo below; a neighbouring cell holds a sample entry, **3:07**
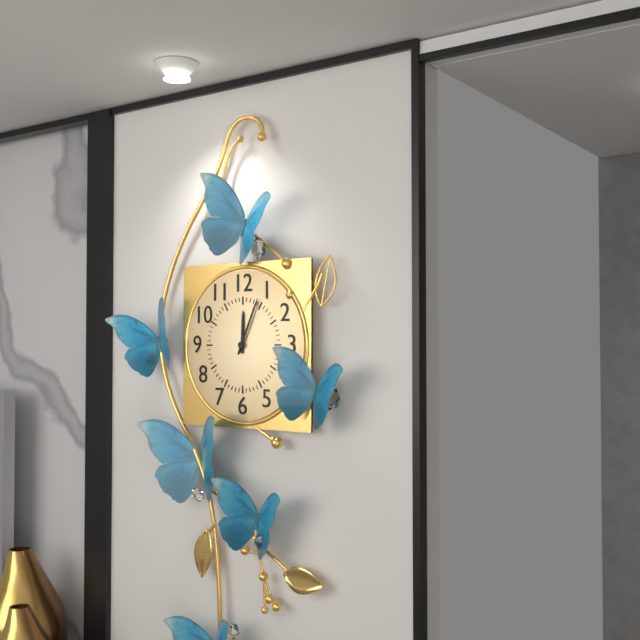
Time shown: **12:04**
